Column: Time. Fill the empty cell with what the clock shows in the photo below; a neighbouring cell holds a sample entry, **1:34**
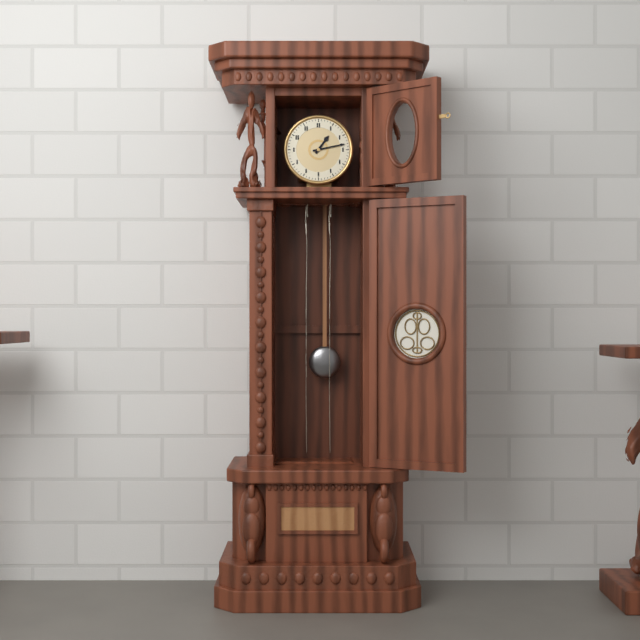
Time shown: **1:13**
